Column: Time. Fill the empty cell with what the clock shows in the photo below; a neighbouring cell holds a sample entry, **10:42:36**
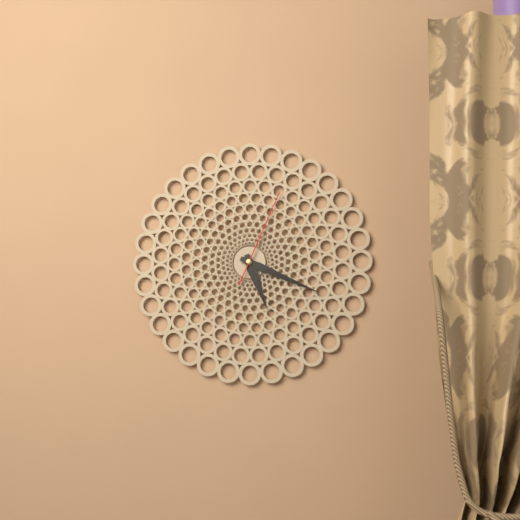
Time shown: **5:19:04**
